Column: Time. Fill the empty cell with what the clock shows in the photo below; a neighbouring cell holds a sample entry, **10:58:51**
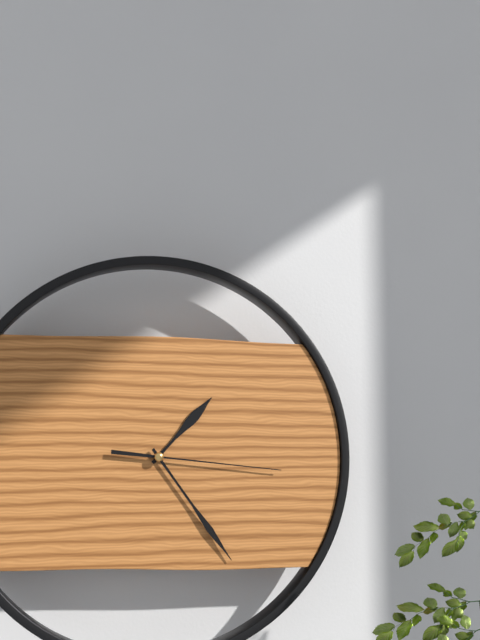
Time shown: **1:24:16**
